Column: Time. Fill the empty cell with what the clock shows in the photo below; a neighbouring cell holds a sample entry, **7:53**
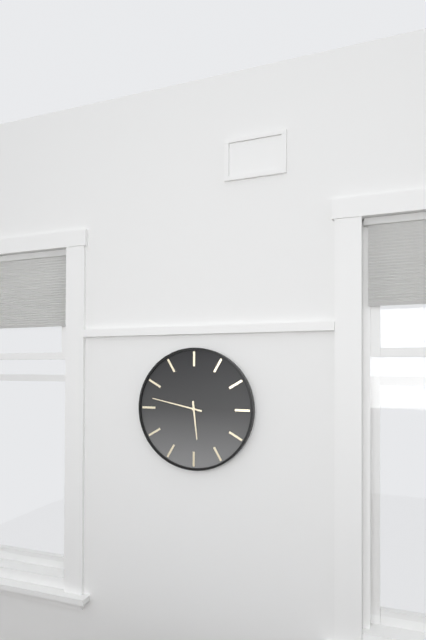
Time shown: **5:47**
